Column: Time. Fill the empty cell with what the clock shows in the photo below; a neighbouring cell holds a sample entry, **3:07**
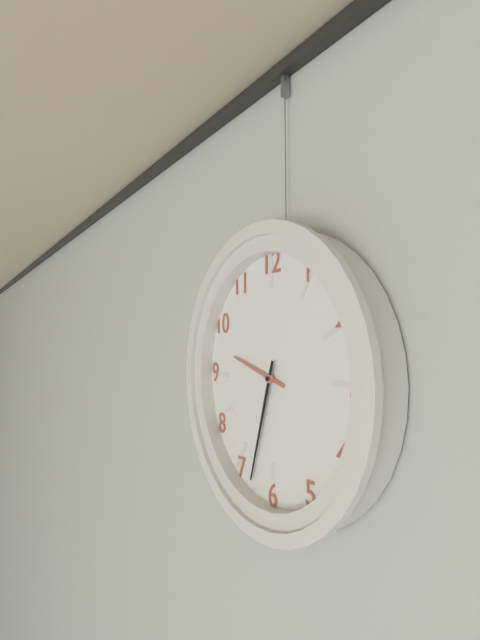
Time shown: **9:33**
